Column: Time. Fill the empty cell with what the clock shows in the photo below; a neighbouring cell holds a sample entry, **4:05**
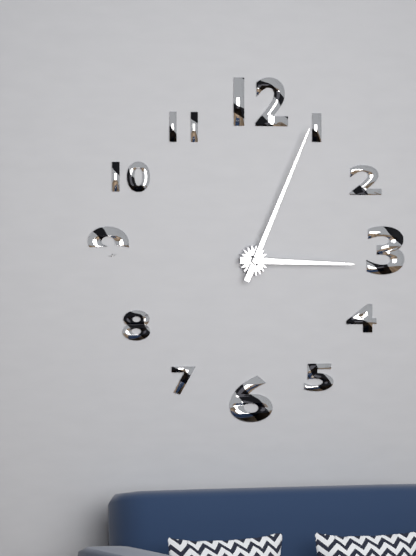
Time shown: **3:04**
